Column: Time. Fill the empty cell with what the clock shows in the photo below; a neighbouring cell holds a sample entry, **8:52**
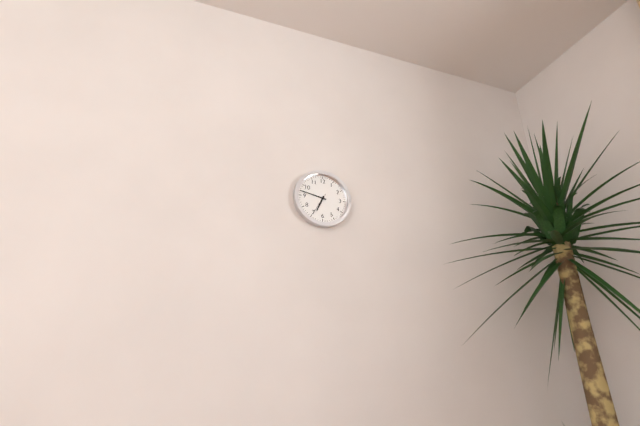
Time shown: **6:47**
